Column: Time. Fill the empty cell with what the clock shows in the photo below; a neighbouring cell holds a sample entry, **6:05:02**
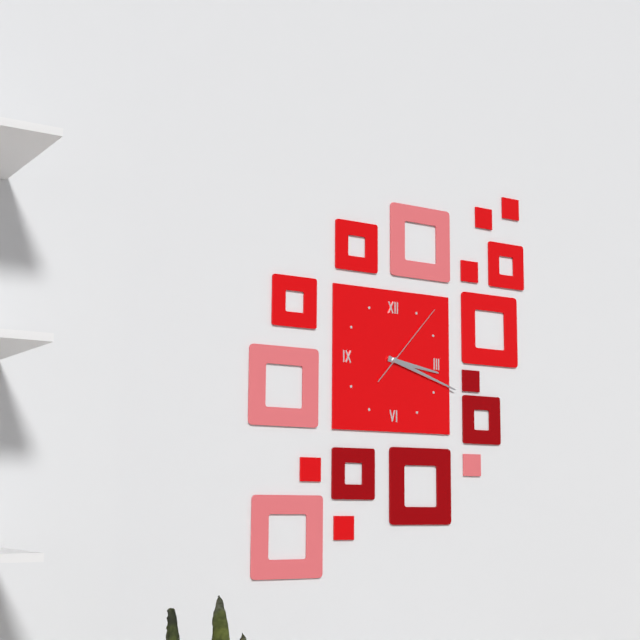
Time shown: **3:18:07**
